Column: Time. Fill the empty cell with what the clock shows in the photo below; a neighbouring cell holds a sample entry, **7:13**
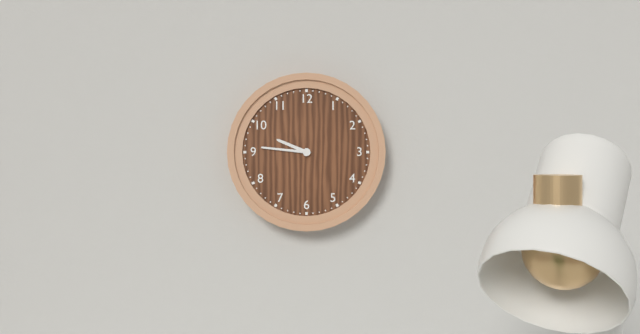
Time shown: **9:46**
